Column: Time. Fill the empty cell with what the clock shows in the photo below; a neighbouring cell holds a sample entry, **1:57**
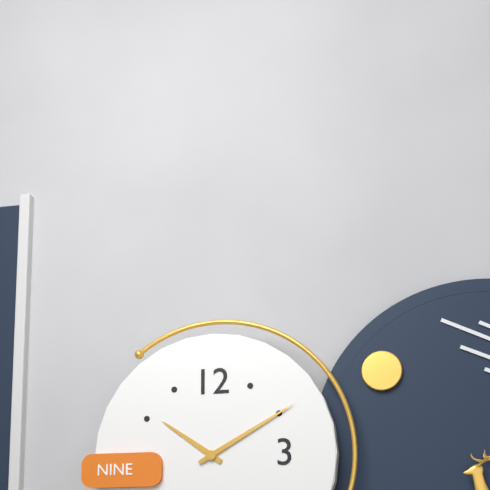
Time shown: **10:10**
